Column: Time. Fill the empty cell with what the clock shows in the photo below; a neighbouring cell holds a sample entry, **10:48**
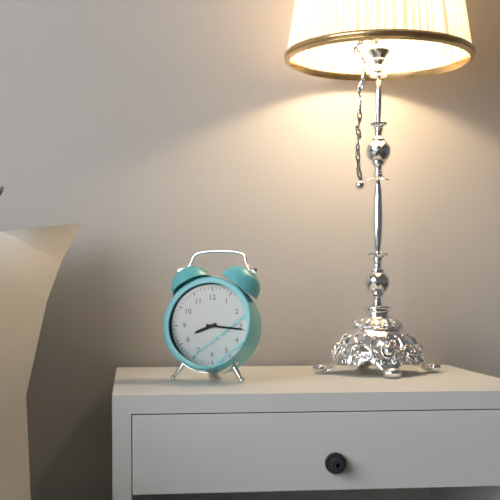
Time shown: **8:16**
